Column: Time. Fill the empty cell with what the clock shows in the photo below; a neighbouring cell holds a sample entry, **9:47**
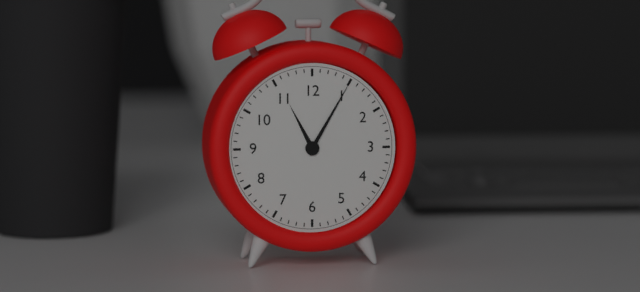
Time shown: **11:05**
